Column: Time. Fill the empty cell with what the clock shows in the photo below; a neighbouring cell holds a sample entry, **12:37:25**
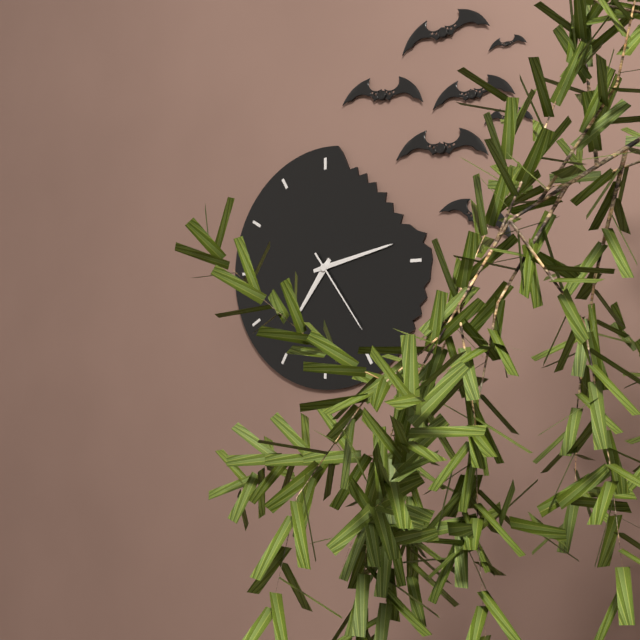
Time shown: **7:13:24**
